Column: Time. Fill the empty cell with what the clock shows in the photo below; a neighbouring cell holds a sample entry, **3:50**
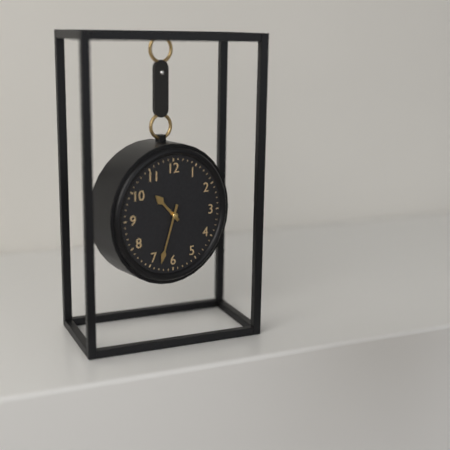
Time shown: **10:33**
